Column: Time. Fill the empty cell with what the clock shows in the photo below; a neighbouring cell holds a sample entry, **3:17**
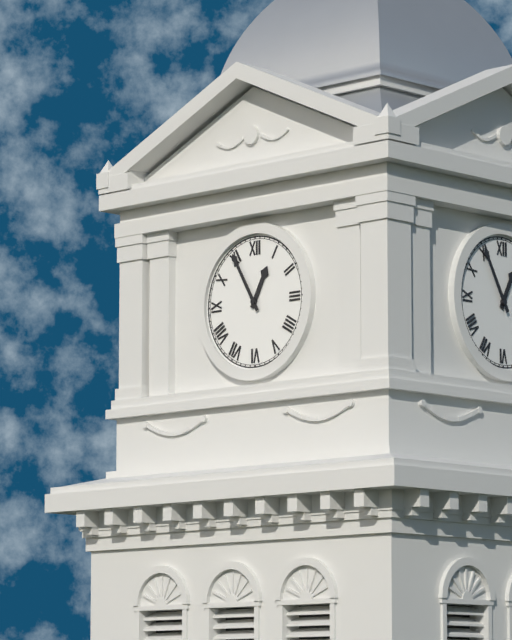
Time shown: **12:55**
